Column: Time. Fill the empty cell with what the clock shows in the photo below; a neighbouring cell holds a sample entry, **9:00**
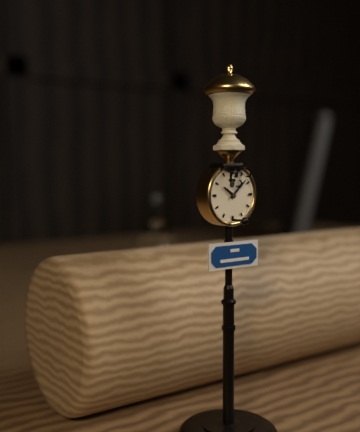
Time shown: **10:08**
